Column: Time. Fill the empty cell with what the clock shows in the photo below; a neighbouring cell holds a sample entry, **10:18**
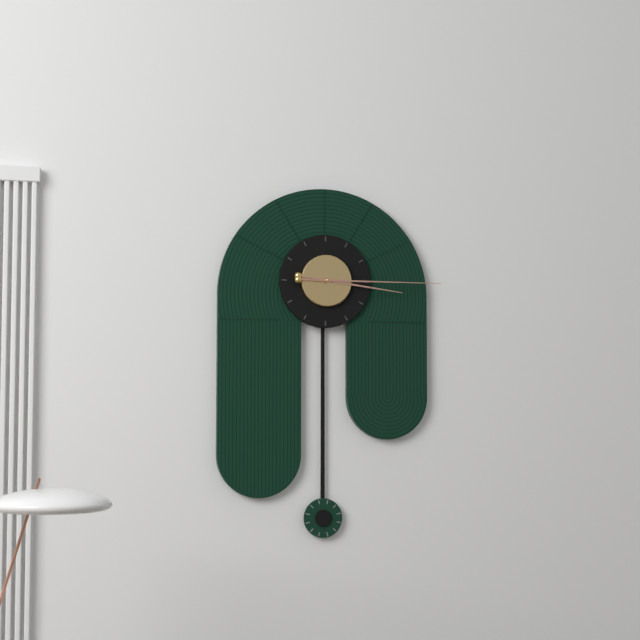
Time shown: **3:15**
